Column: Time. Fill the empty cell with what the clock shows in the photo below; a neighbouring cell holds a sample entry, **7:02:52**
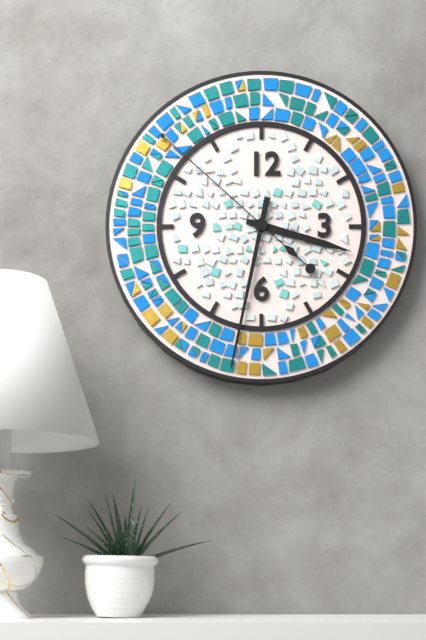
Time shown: **3:32:52**
